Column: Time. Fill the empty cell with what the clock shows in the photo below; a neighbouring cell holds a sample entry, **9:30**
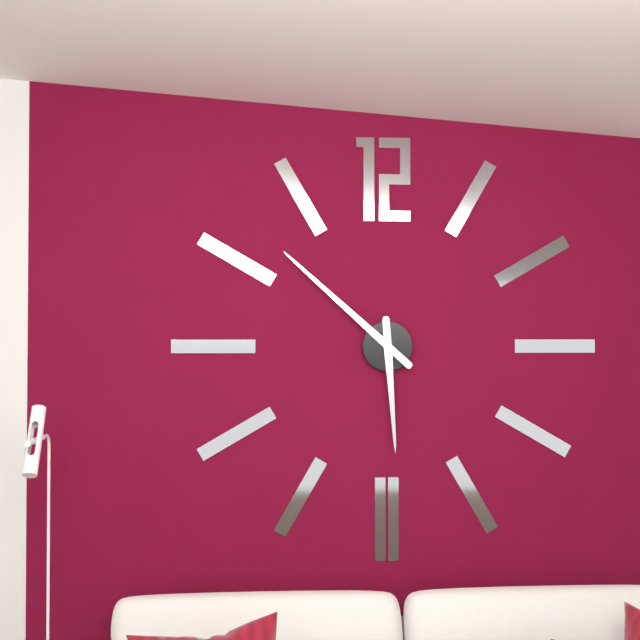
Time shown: **5:52**
